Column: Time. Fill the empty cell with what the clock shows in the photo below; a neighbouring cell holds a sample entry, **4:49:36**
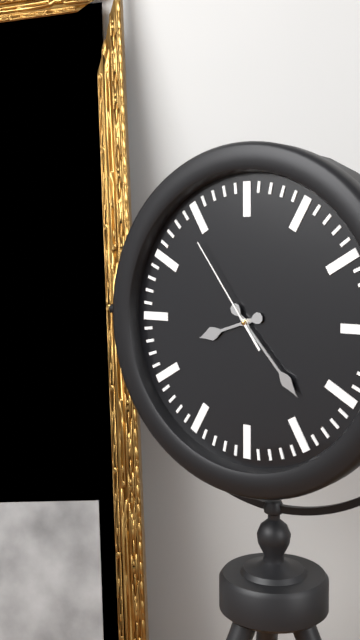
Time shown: **8:23:54**
